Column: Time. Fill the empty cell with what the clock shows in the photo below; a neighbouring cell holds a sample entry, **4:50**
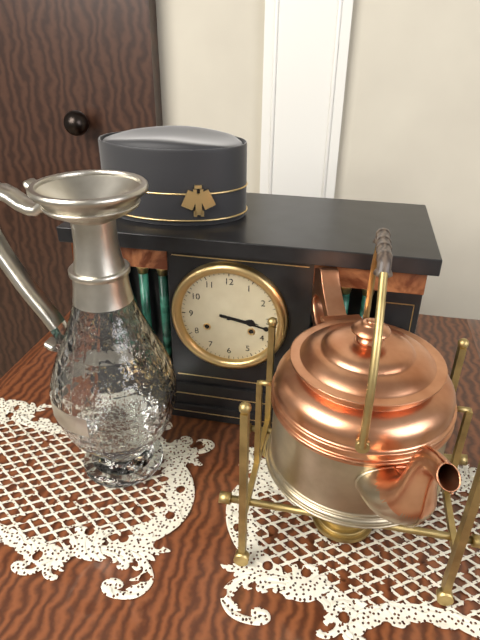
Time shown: **3:17**
